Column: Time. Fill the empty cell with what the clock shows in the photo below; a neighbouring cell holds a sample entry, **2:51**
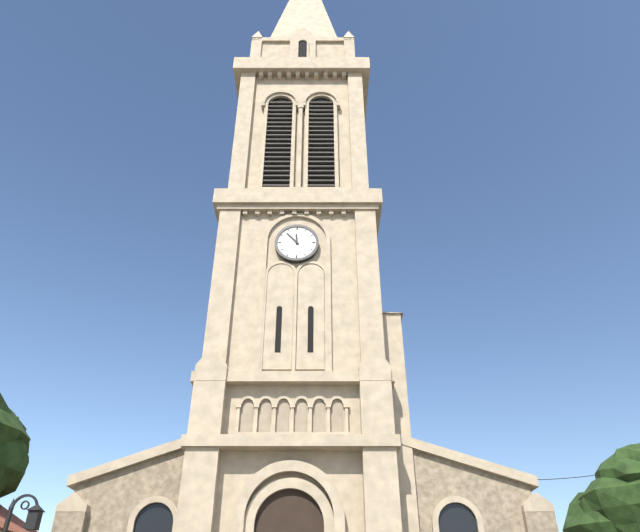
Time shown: **11:53**
